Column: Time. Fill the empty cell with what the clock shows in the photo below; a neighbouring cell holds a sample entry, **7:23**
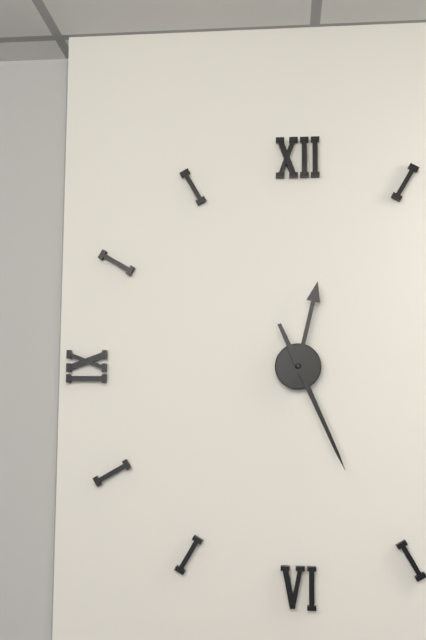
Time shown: **12:26**
